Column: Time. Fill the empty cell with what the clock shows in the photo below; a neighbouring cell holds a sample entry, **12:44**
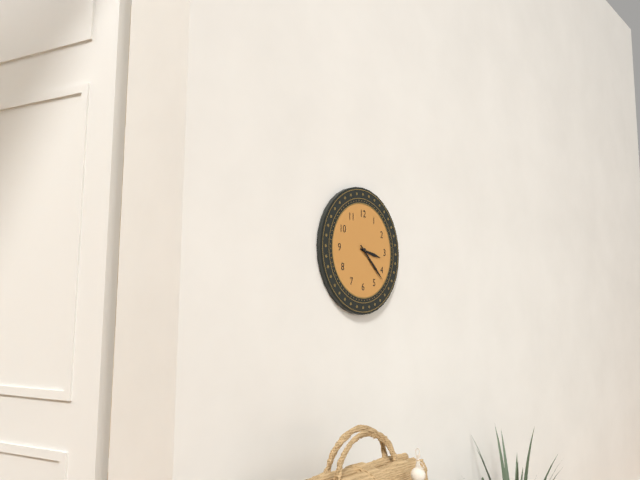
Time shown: **3:22**
